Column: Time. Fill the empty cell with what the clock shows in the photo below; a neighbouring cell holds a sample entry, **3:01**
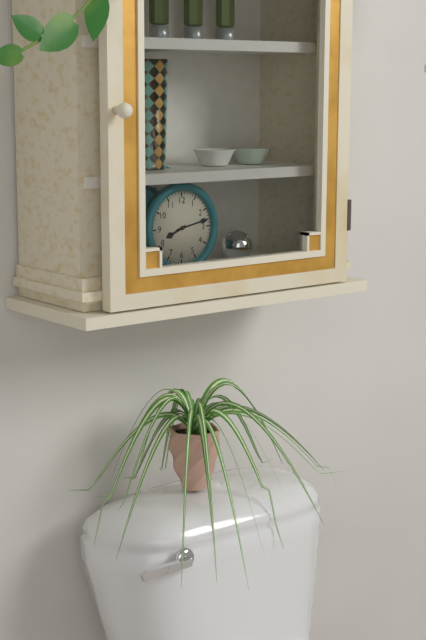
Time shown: **8:13**
